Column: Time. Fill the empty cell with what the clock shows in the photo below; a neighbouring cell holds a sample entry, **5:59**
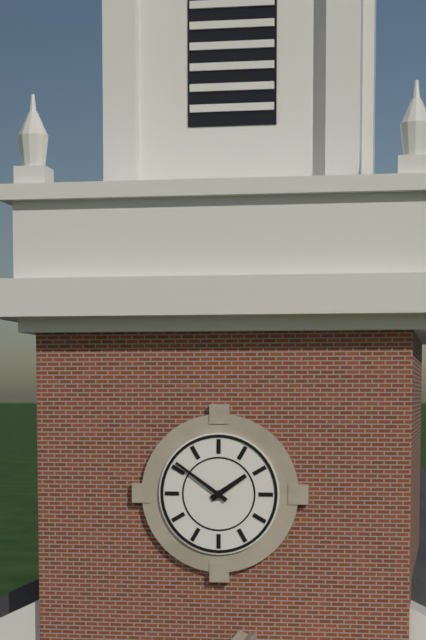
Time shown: **1:51**
